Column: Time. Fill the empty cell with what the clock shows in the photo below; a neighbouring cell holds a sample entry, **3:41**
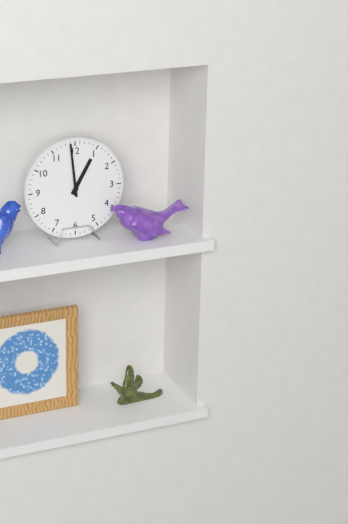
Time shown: **12:59**
